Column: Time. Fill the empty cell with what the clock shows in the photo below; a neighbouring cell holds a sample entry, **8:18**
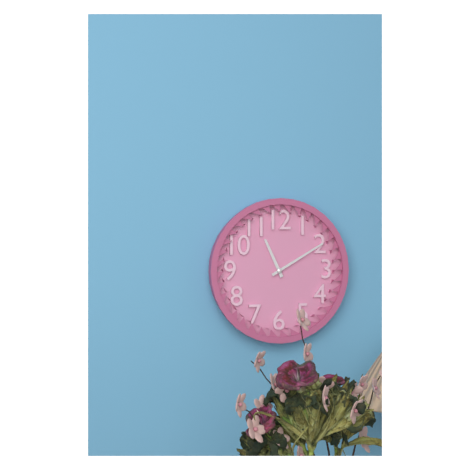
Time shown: **11:10**
